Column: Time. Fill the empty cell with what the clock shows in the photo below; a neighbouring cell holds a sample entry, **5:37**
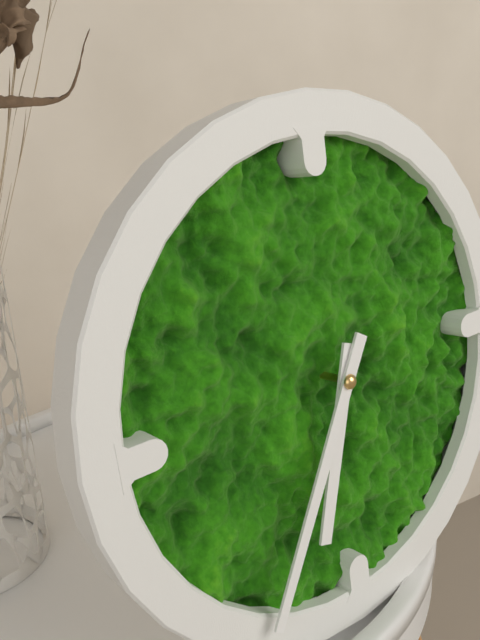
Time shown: **6:35**
